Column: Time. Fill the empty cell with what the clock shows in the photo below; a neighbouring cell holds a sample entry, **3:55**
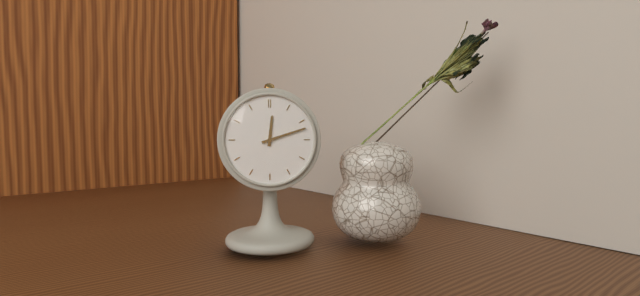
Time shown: **12:12**
